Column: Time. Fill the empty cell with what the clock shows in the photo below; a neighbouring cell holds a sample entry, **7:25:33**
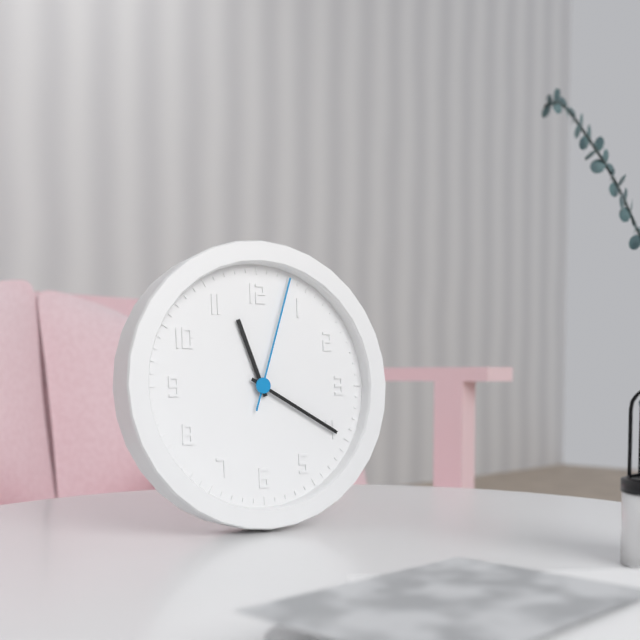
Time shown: **11:20:03**
